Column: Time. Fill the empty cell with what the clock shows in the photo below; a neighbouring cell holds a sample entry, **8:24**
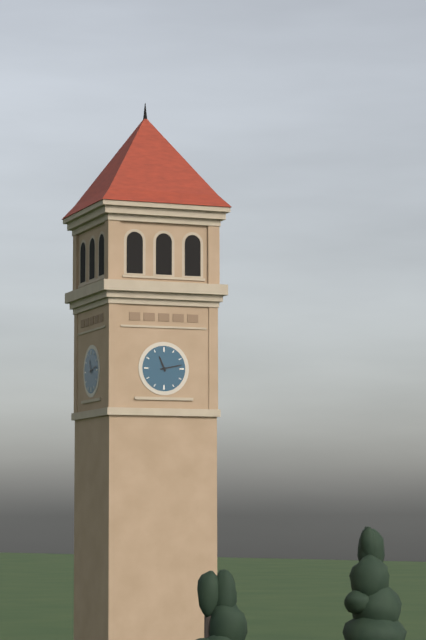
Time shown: **11:13**
